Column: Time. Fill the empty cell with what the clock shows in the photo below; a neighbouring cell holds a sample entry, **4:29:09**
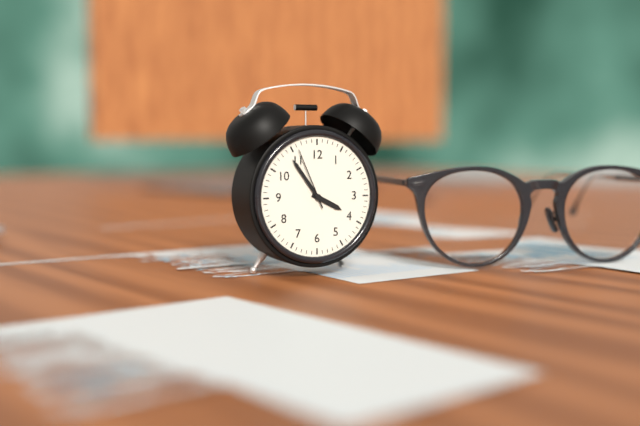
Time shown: **3:54:56**
